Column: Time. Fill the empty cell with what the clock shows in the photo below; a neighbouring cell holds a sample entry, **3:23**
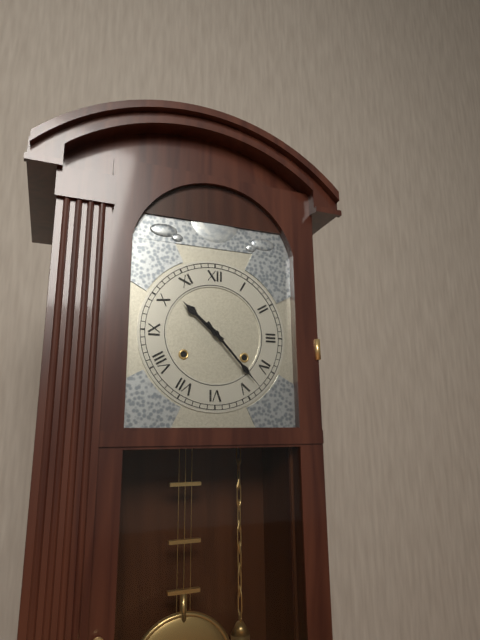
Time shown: **10:23**
